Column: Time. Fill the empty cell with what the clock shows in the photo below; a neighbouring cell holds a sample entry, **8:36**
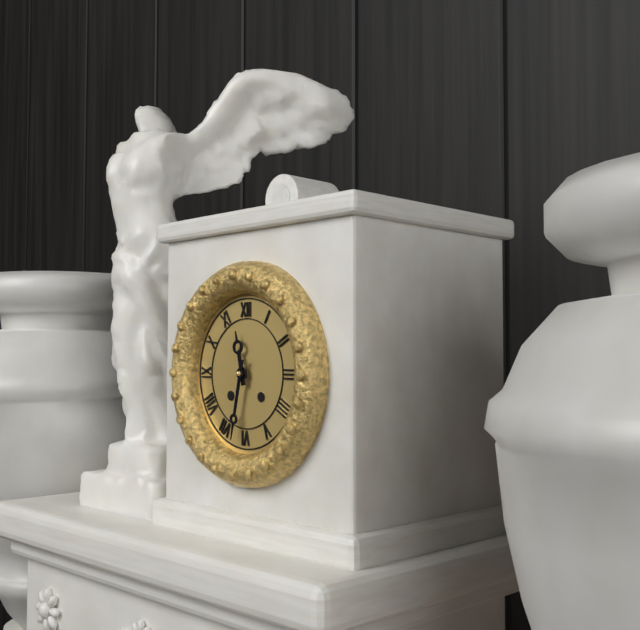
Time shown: **11:32**
